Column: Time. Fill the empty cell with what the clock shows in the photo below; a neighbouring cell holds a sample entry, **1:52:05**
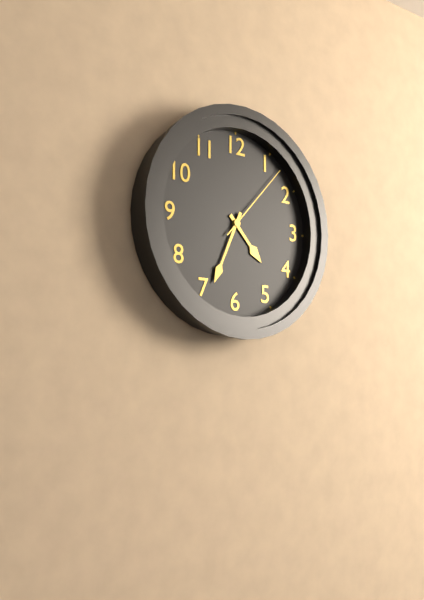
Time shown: **4:34:07**
